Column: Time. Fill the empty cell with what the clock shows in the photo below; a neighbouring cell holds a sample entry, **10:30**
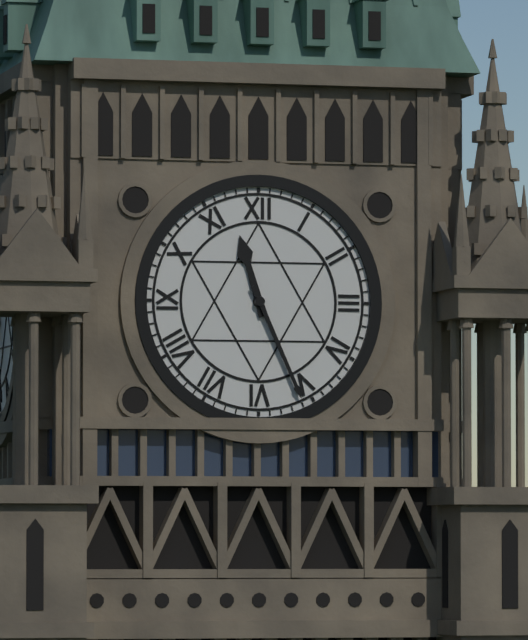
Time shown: **11:26**
